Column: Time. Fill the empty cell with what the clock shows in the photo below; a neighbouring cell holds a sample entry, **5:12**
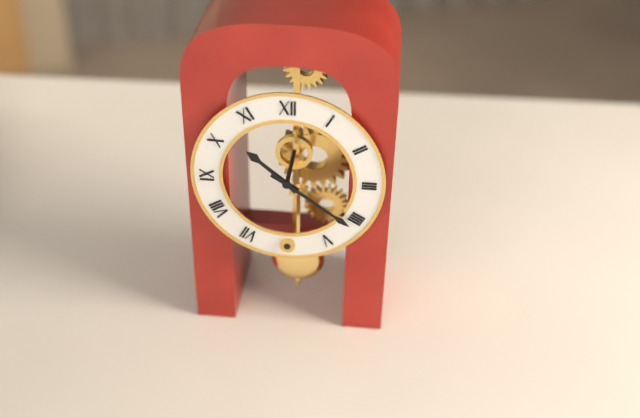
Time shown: **10:21**
